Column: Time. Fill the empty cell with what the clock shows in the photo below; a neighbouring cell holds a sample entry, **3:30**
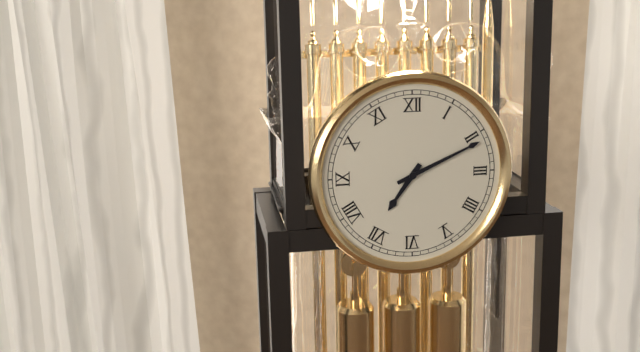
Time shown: **7:11**
